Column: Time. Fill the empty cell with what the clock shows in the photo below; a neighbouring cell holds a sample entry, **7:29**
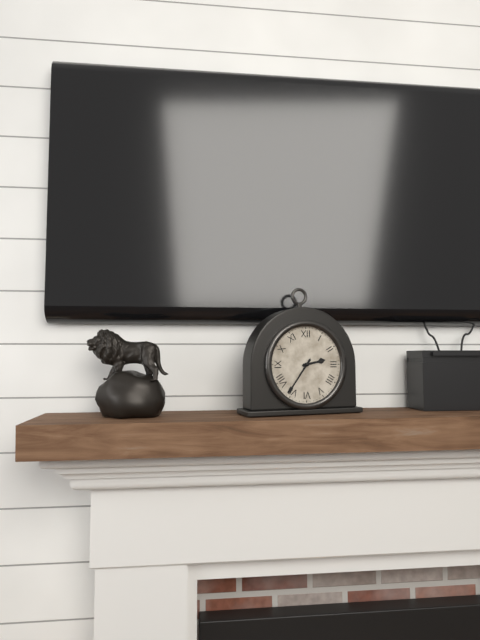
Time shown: **2:36**
